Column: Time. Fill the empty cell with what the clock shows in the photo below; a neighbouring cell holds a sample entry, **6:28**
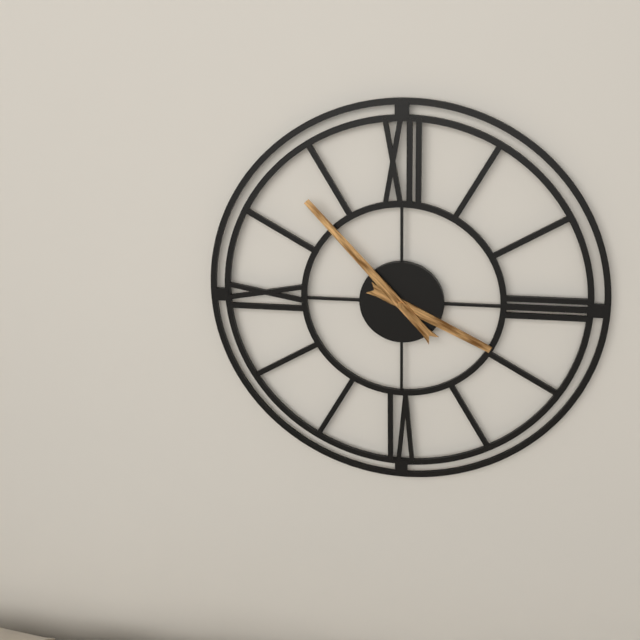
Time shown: **3:53**
